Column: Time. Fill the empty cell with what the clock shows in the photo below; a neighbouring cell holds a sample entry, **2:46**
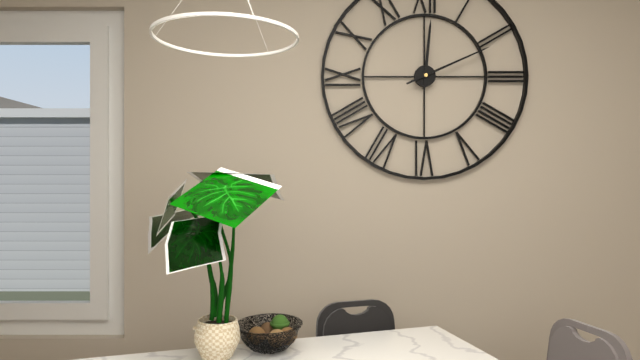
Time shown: **12:11**
